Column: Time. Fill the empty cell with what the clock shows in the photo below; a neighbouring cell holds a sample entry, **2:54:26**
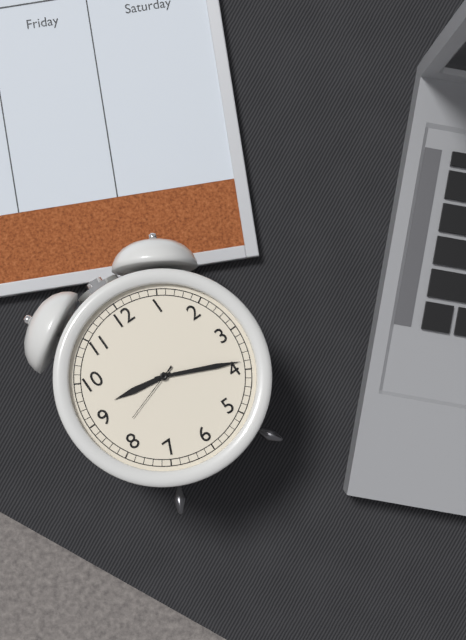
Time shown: **9:19:42**
